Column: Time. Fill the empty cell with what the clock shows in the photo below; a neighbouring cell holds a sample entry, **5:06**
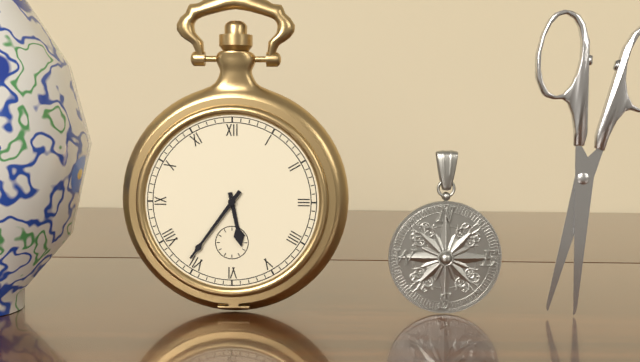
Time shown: **5:36**
